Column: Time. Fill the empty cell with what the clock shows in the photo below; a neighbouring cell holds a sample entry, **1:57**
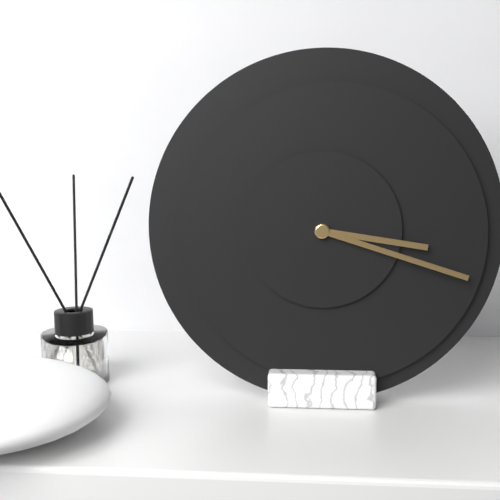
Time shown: **3:18**
